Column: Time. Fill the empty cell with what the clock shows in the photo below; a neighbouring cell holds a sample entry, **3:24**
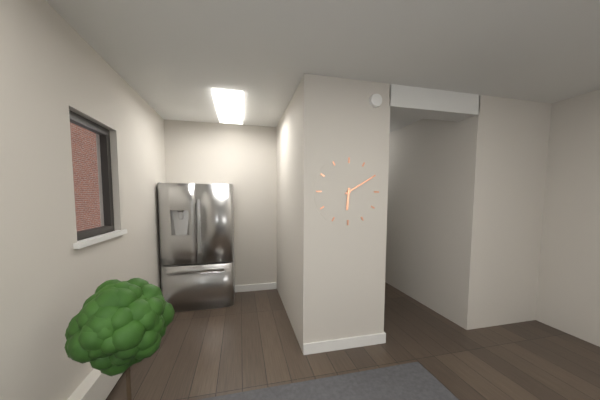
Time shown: **6:10**
